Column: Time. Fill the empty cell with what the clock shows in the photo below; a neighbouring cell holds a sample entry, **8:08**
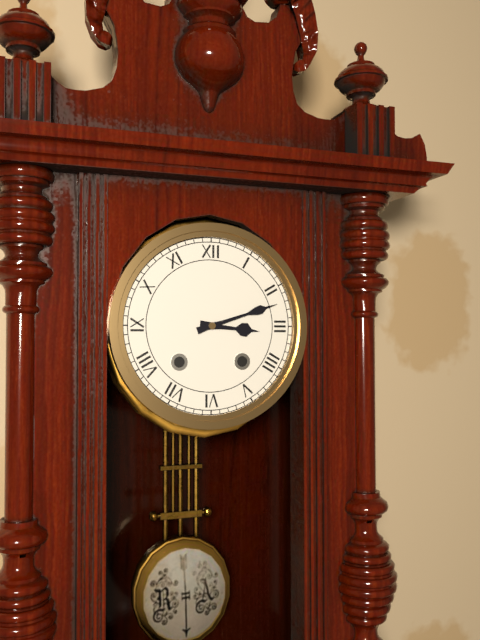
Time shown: **3:12**
